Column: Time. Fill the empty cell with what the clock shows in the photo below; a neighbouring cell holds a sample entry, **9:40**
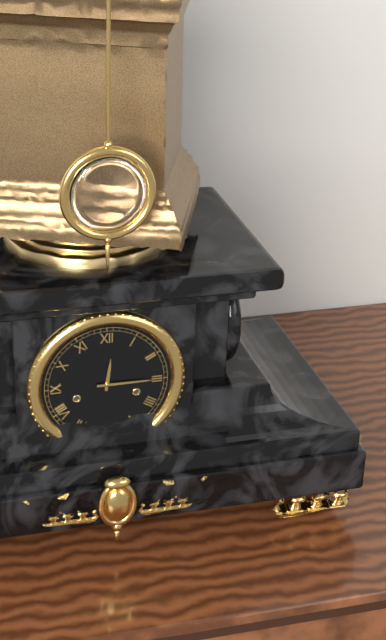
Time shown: **12:15**
